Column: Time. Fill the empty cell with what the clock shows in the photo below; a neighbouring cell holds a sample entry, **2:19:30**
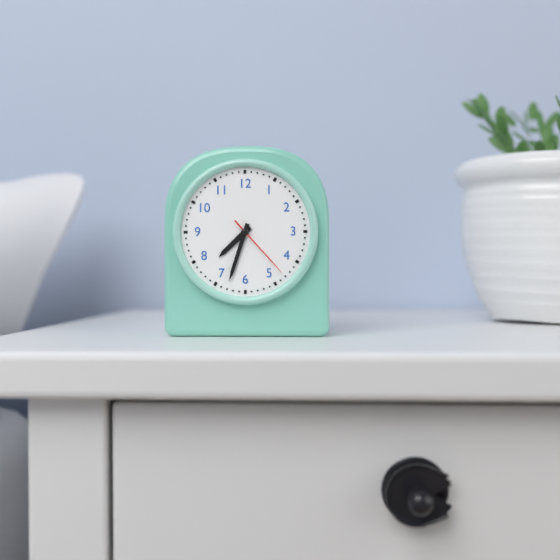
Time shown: **7:33:23**
